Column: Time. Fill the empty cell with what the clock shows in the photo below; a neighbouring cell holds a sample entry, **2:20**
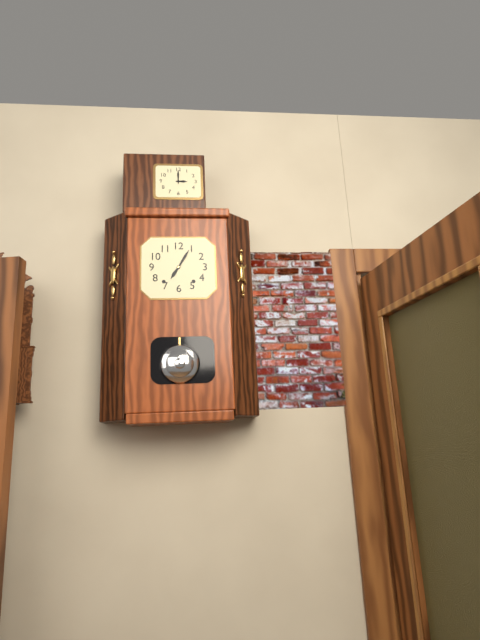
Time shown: **7:05**
